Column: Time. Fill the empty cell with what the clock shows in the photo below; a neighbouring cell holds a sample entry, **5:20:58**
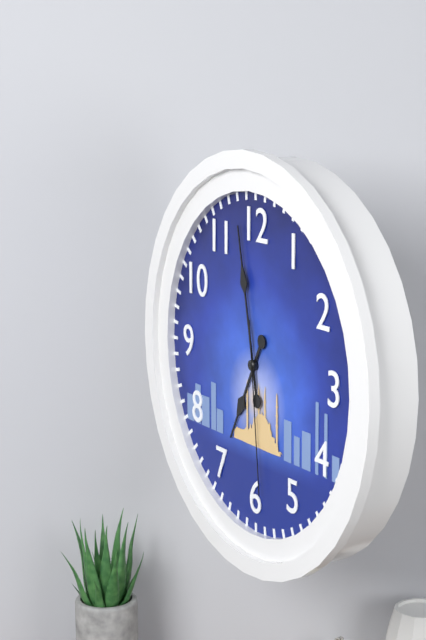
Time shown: **6:58:29**
